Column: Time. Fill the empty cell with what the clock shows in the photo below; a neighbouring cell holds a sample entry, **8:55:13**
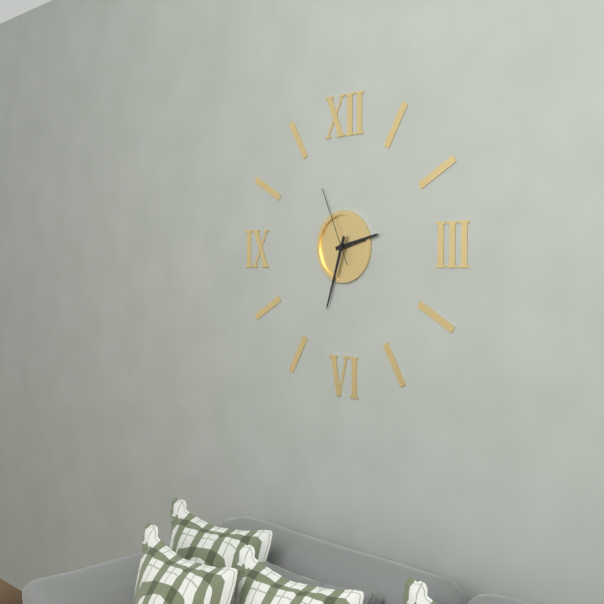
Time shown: **2:33:56**
